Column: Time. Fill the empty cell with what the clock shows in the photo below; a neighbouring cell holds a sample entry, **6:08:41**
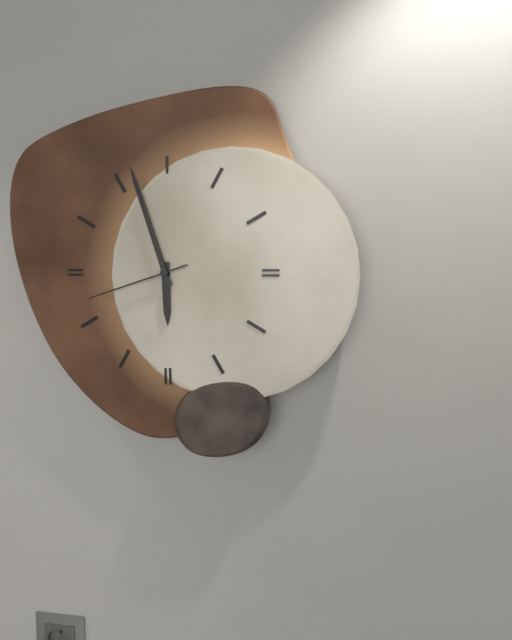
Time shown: **5:57:42**
